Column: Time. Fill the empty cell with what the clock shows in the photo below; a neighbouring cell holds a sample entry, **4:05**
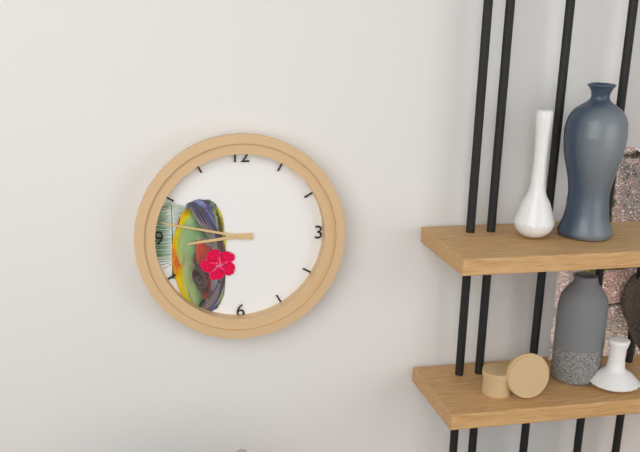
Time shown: **8:47**
